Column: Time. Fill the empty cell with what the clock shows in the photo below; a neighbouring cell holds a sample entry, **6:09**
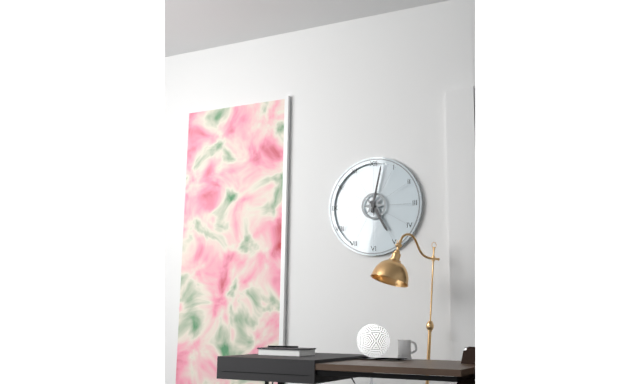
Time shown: **5:02**
